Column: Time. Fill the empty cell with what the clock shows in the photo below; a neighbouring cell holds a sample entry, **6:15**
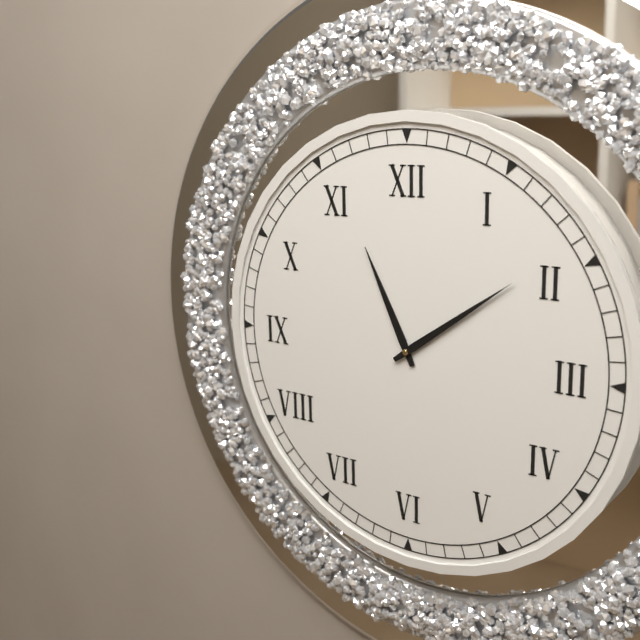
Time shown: **11:09**
